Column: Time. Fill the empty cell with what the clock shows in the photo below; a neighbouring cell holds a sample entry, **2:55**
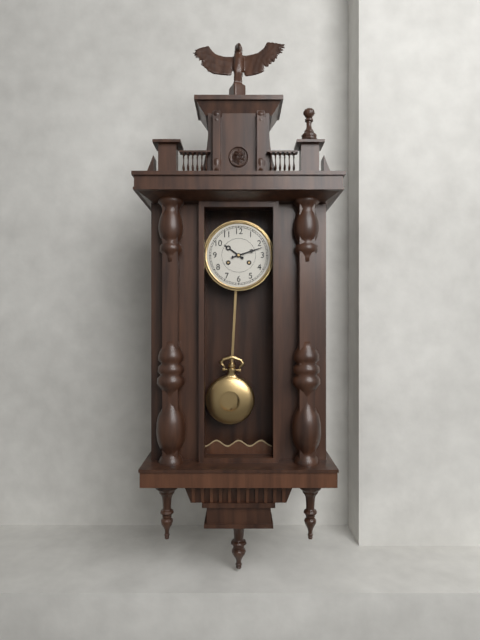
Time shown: **10:12**
